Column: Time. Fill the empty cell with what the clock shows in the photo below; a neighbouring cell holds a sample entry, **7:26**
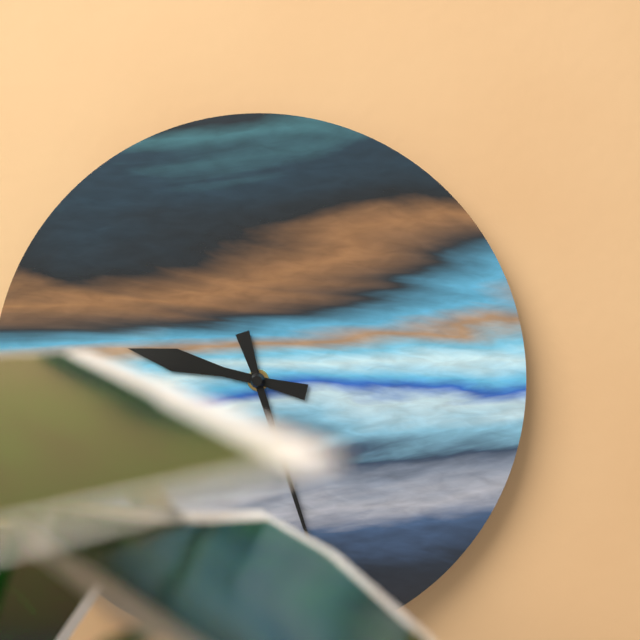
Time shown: **9:27**
